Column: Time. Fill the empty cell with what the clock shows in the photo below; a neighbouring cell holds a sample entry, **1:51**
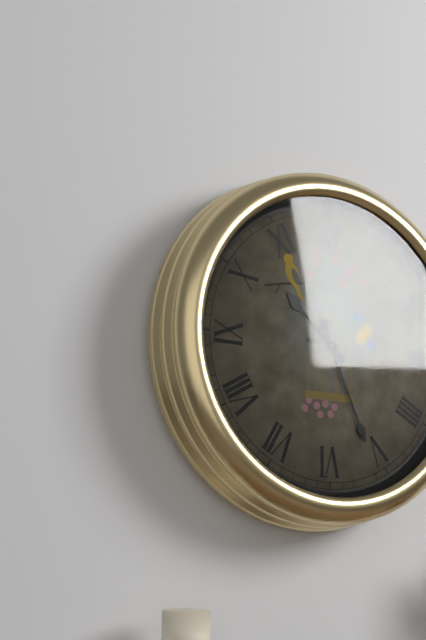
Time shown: **10:26**
